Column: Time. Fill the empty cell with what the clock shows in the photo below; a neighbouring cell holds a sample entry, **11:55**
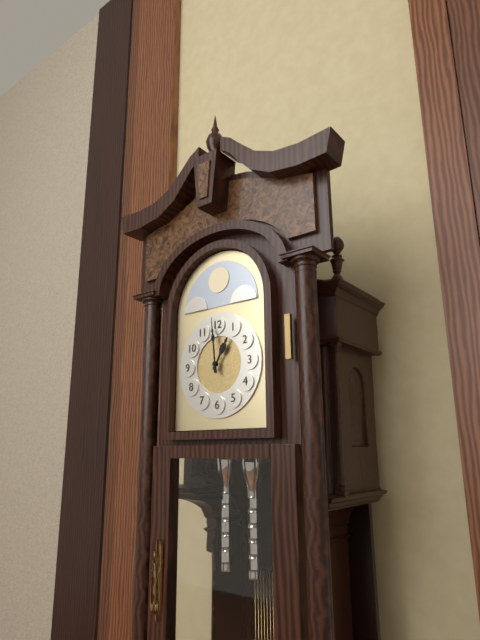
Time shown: **12:59**
